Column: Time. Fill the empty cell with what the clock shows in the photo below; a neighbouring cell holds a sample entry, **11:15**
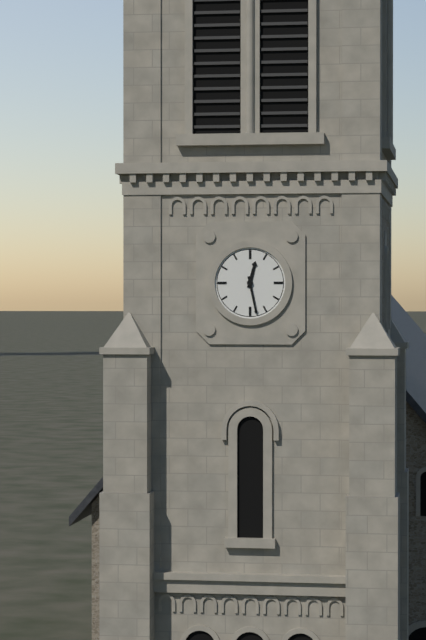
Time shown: **12:28**
